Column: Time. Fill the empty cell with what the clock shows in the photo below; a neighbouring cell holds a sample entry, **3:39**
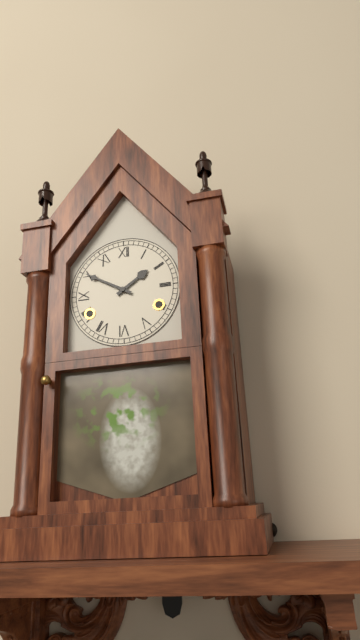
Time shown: **1:50**
